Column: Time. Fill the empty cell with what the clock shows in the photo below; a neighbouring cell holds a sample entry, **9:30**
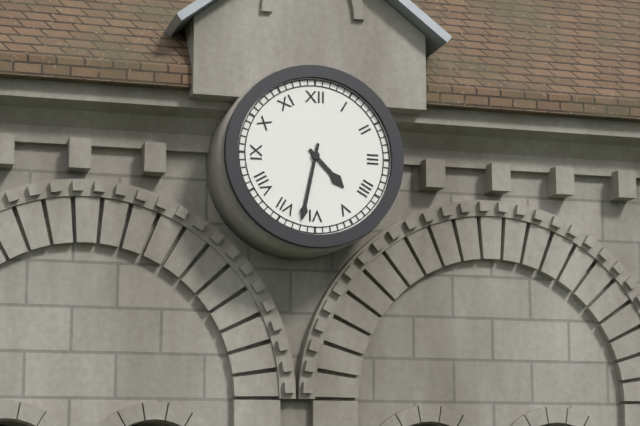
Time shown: **4:32**
